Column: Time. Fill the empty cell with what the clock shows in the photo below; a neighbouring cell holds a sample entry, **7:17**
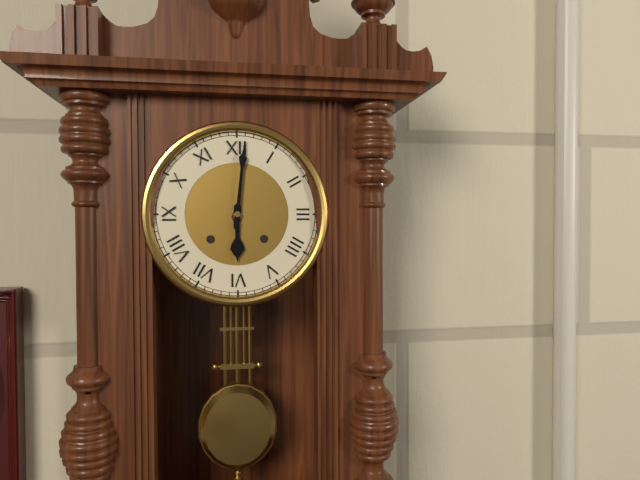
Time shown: **6:01**
